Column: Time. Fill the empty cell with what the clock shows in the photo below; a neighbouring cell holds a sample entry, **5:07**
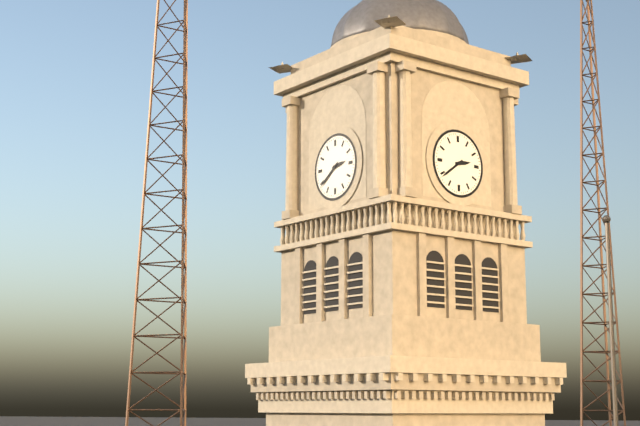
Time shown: **2:39**
